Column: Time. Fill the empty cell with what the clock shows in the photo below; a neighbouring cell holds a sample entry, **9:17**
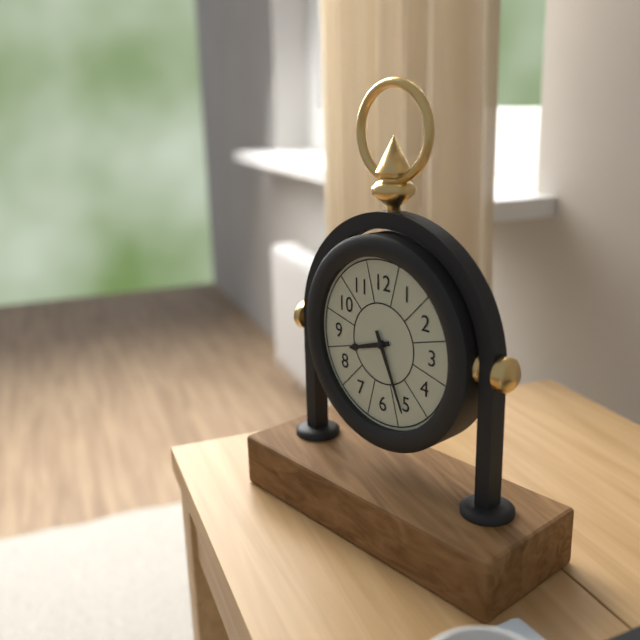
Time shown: **8:26**
